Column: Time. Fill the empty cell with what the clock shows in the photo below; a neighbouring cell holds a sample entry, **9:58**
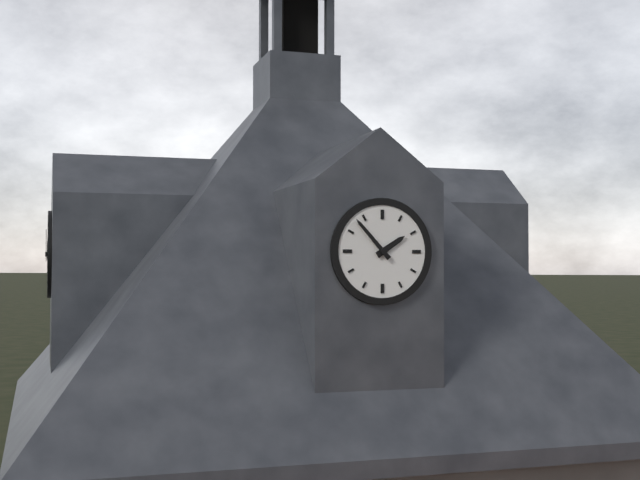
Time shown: **1:53**
